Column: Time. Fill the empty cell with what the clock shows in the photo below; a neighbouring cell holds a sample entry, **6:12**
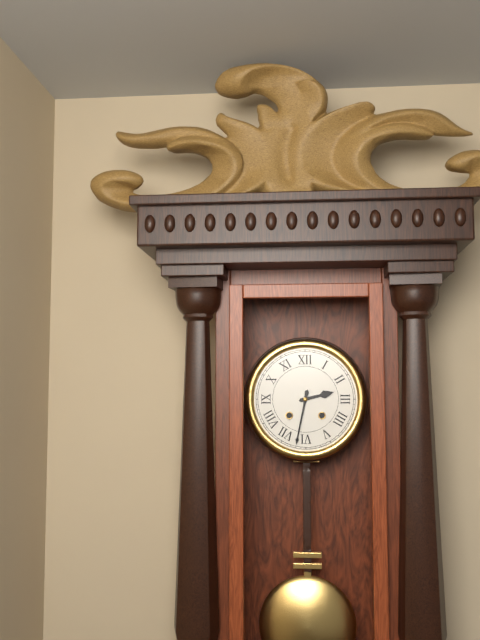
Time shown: **2:32**
